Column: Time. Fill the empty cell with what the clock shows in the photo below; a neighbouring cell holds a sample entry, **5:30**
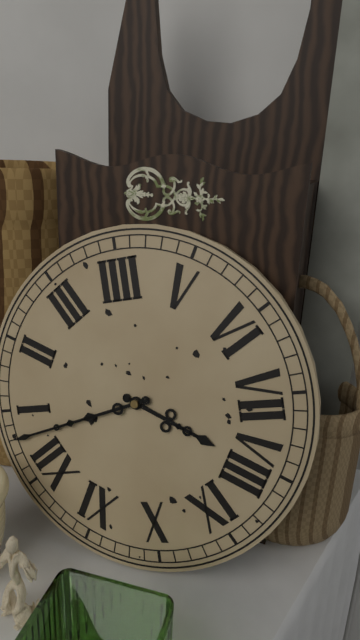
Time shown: **8:03**
